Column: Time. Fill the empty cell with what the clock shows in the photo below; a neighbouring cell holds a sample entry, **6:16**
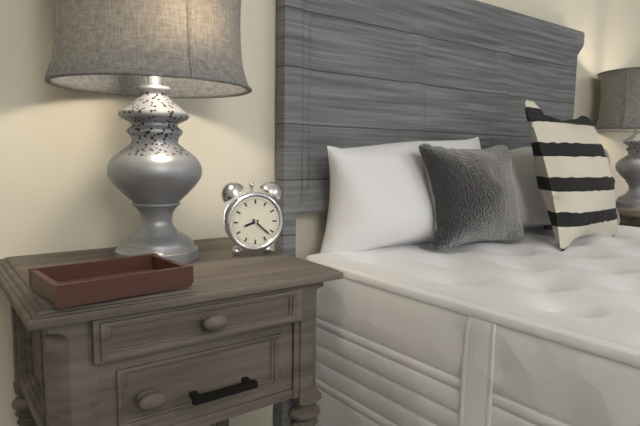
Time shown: **8:22**
